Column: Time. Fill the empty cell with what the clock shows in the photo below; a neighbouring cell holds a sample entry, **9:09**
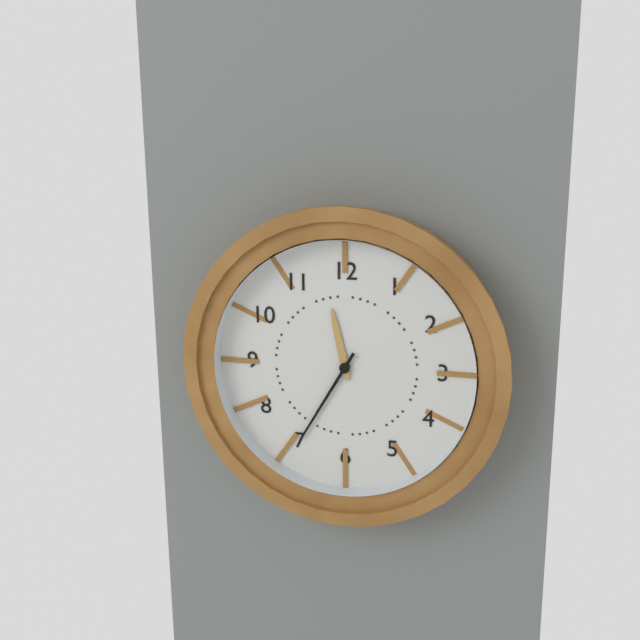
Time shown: **11:35**
